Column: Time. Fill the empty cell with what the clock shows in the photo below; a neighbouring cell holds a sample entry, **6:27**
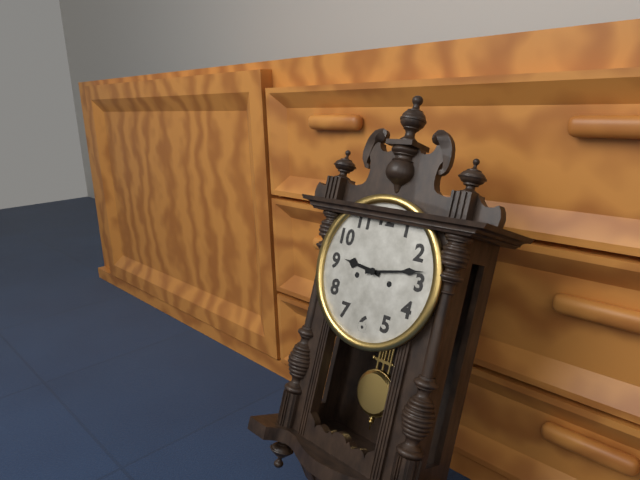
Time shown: **9:13**
